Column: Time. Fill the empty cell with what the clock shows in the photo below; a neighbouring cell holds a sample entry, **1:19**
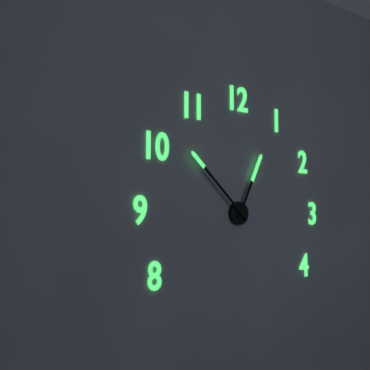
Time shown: **12:52**
